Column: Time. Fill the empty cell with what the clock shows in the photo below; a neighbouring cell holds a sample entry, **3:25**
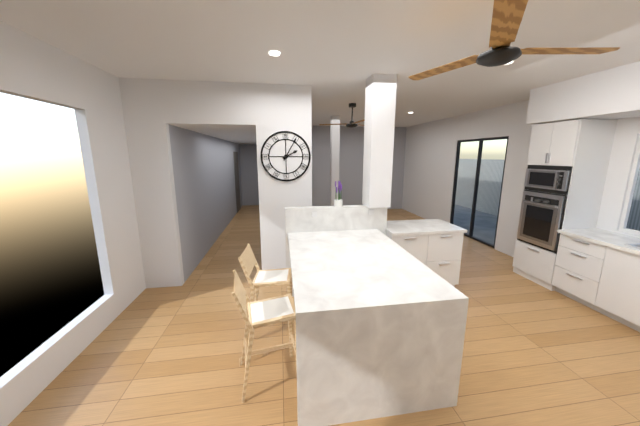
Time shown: **2:05**
